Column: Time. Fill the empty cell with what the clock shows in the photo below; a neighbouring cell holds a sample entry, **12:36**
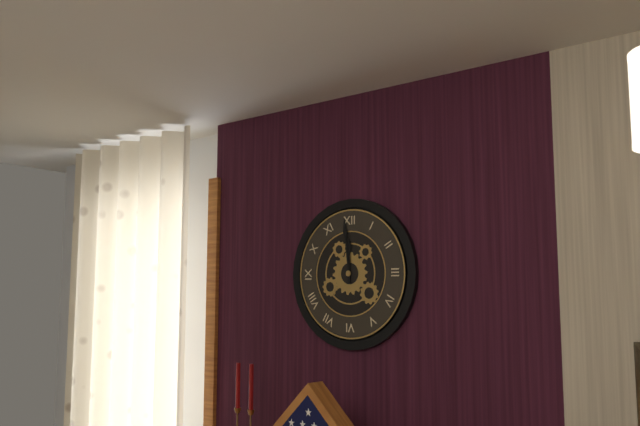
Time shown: **11:59**
